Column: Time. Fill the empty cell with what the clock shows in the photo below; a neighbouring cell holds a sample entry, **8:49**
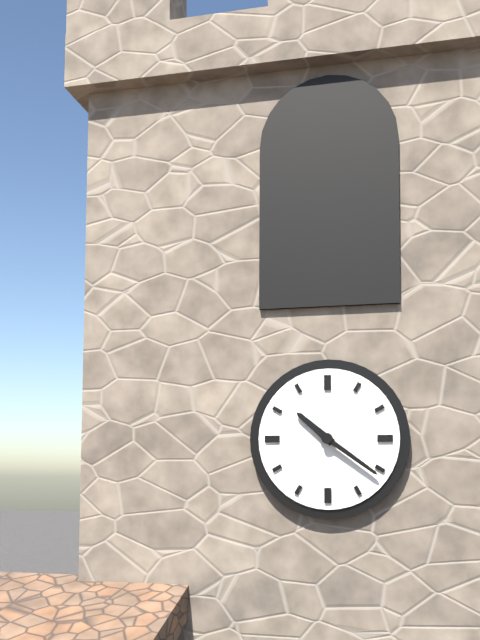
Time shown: **10:21**
